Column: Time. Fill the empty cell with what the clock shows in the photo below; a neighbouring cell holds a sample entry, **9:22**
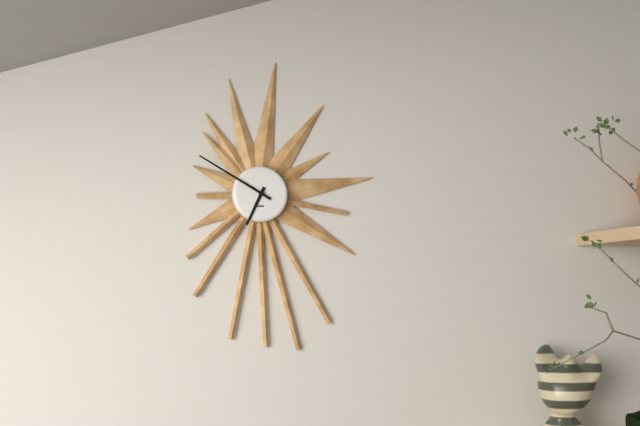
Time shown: **6:50**
